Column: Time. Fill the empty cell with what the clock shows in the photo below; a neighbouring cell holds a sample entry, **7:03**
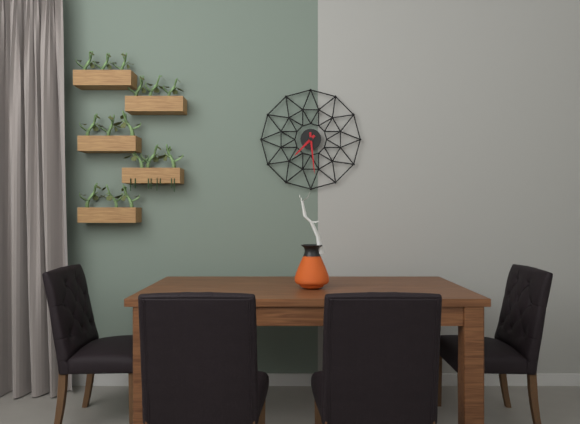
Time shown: **7:29**
